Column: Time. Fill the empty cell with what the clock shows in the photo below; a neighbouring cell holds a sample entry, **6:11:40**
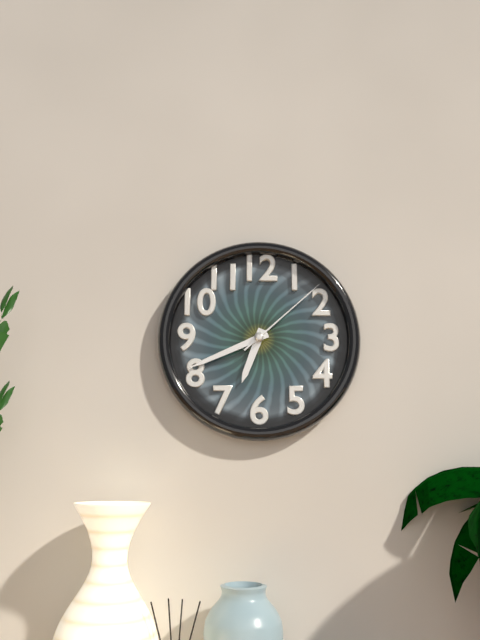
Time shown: **6:41:08**
